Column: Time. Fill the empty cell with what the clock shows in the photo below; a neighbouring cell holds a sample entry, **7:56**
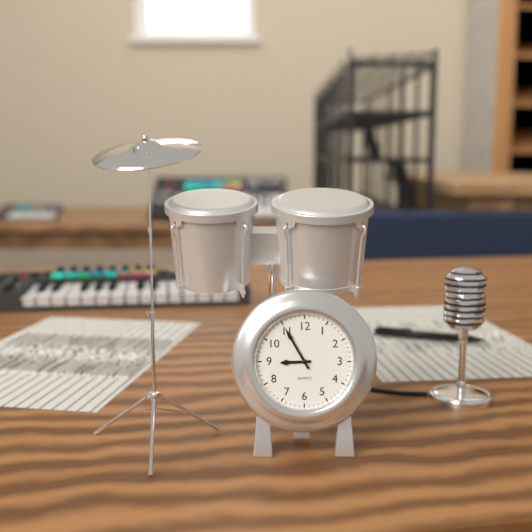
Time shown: **8:55**
